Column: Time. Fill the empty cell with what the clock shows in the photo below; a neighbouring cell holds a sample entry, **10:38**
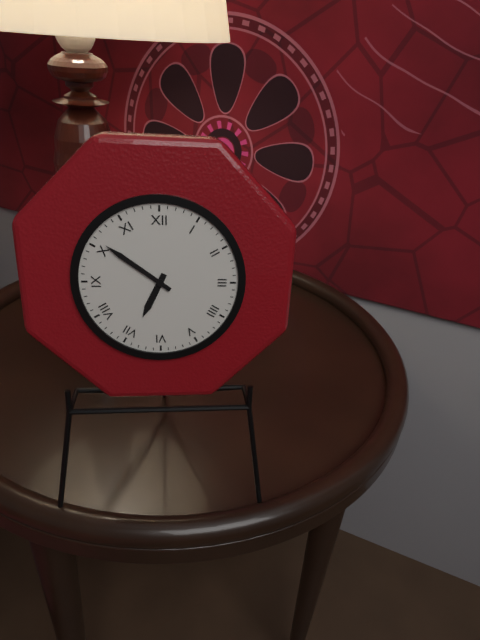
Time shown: **6:51**
